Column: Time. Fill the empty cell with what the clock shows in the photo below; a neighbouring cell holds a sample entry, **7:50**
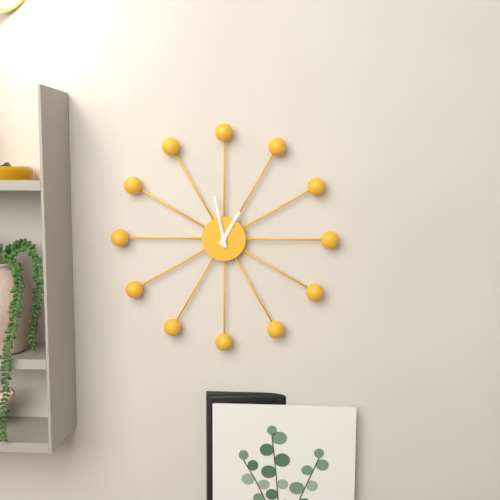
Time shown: **12:58**
